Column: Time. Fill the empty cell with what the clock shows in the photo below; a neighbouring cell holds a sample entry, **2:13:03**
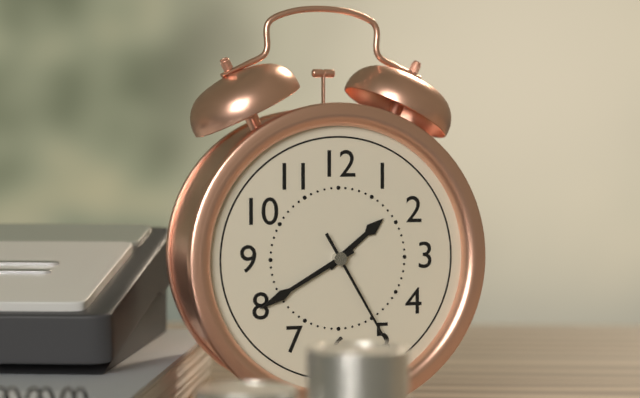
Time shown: **1:40:25**
